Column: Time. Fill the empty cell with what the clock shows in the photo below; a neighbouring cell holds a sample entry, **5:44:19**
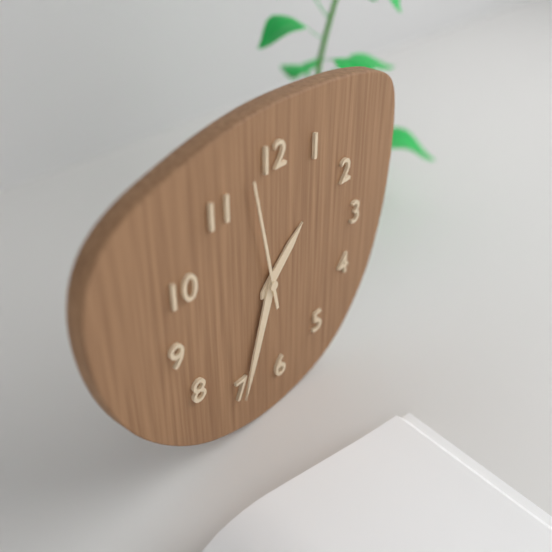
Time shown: **1:33:58**
